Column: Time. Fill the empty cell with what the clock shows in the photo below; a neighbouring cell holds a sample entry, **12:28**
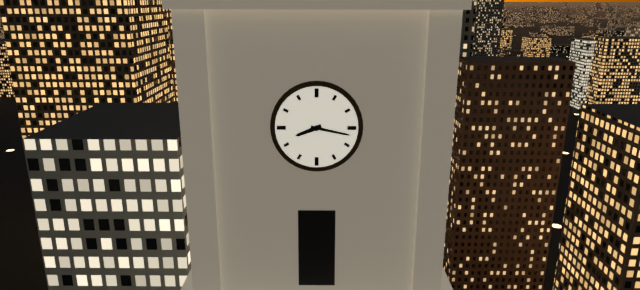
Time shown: **8:17**
